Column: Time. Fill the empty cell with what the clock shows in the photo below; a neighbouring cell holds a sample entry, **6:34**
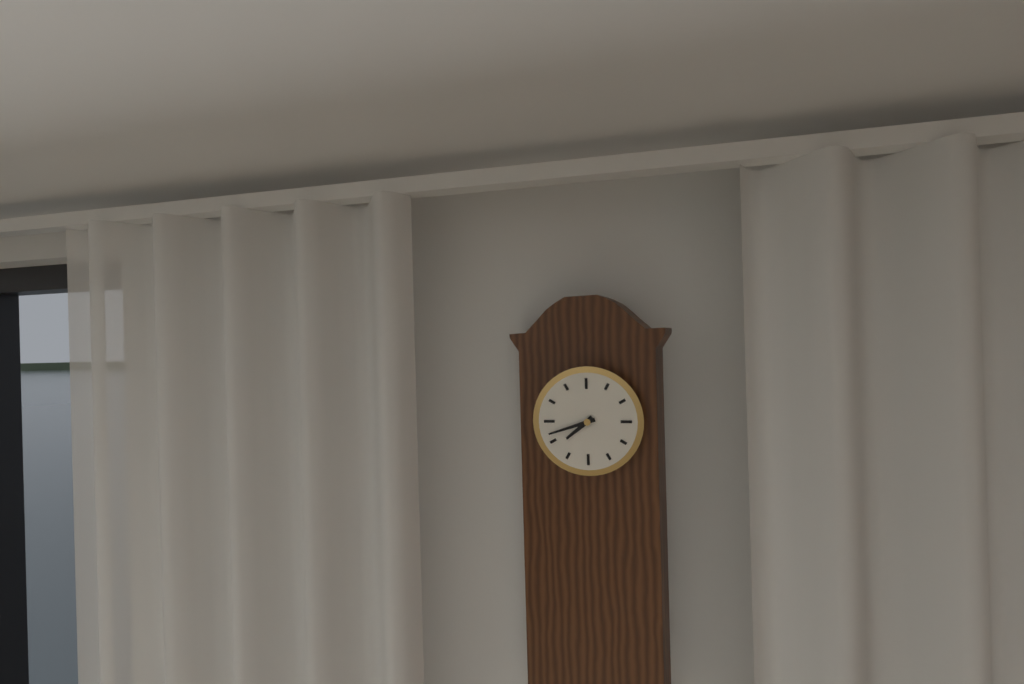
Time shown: **7:42**
